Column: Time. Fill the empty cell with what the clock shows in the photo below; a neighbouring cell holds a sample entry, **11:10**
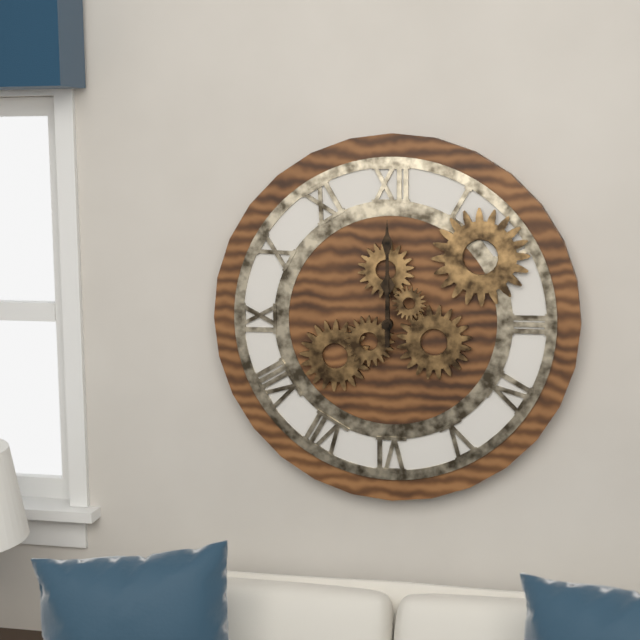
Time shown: **12:00**
